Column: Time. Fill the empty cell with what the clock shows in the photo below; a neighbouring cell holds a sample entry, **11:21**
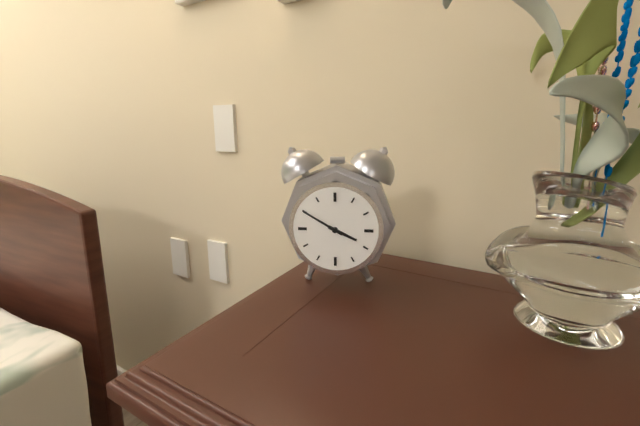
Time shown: **3:50**
